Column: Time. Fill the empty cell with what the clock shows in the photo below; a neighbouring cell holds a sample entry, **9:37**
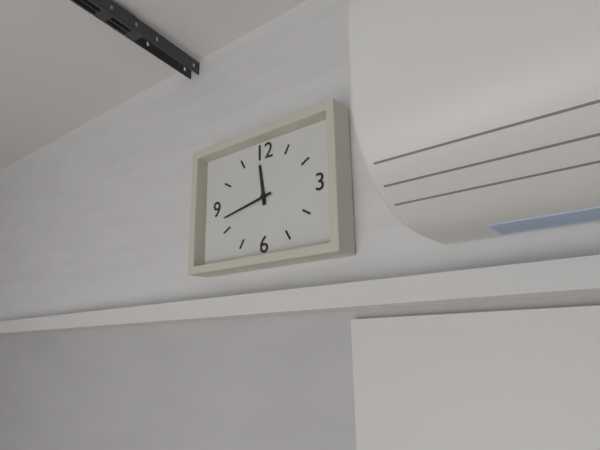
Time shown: **11:43**
